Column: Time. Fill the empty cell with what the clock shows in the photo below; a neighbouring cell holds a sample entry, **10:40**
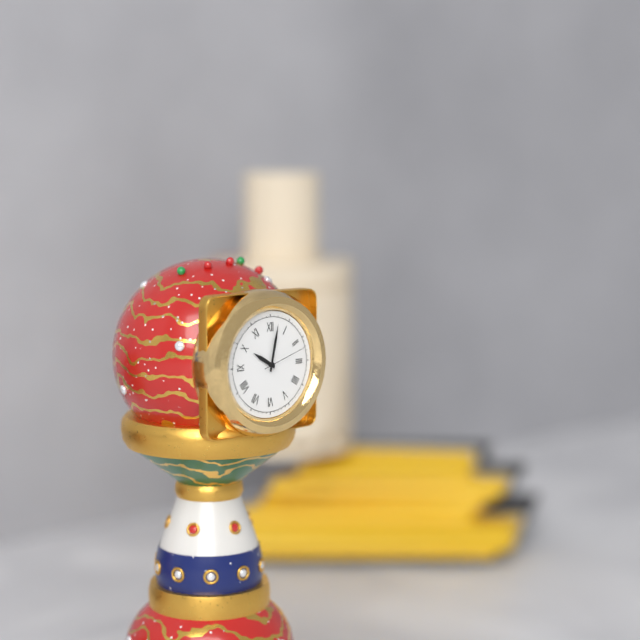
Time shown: **10:02**
